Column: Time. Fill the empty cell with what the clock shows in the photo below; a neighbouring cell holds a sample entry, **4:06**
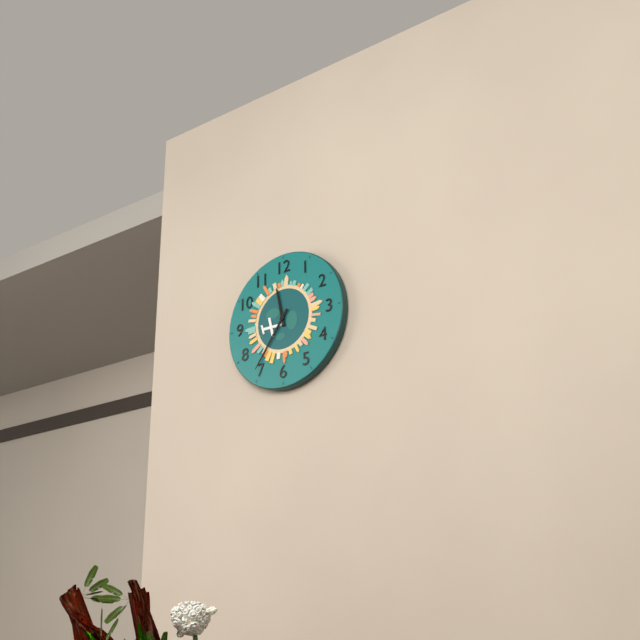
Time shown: **11:36**
